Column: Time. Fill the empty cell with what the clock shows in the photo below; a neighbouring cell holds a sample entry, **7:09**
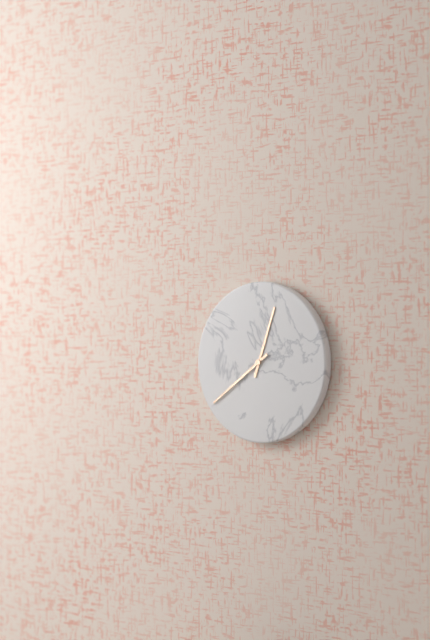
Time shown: **12:39**
